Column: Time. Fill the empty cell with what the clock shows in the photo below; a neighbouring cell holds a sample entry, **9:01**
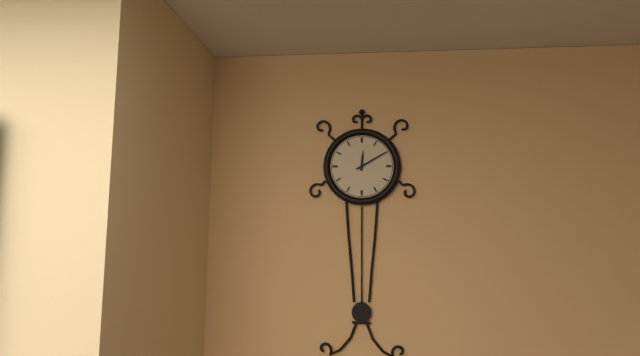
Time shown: **12:10**
